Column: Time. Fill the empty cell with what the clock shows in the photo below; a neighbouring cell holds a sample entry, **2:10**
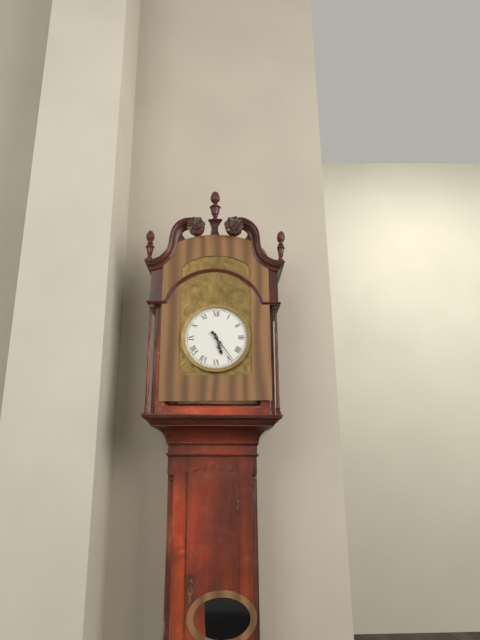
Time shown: **5:24**
